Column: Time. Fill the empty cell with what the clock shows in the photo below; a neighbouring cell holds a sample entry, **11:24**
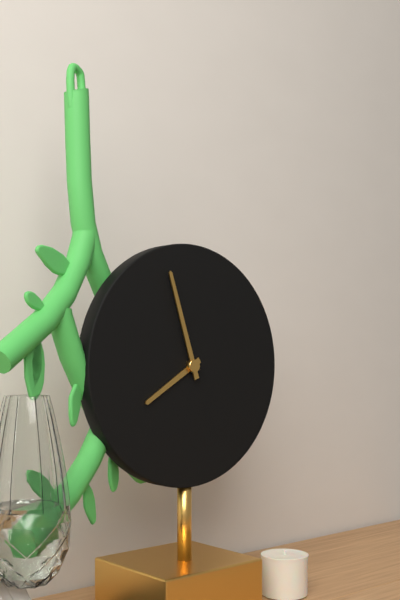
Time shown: **7:57**
